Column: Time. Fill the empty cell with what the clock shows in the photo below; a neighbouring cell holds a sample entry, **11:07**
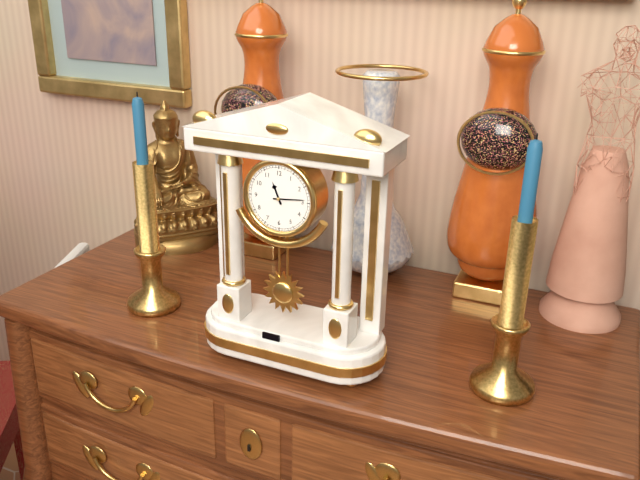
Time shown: **11:14**
